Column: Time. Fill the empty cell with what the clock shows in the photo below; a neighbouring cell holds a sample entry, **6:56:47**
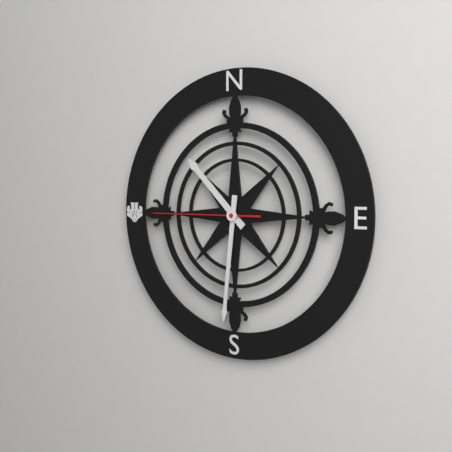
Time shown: **10:31:45**
